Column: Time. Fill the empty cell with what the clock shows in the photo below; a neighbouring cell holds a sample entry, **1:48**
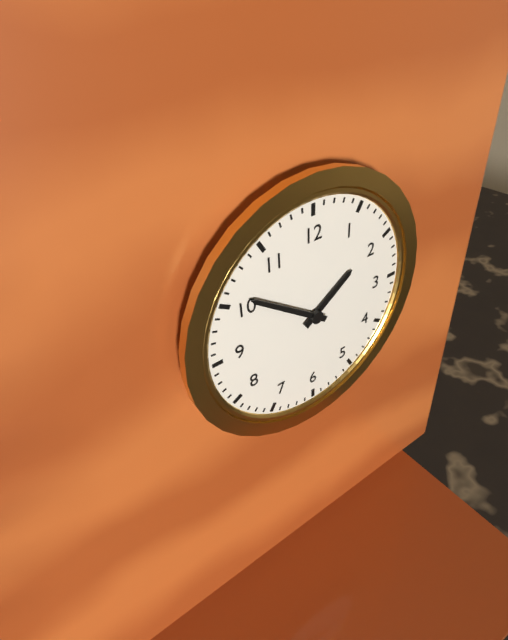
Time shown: **1:51**
